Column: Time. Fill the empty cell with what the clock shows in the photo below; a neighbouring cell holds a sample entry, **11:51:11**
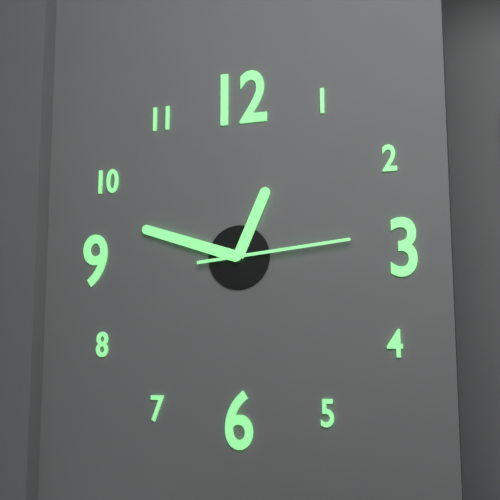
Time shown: **12:48:14**
